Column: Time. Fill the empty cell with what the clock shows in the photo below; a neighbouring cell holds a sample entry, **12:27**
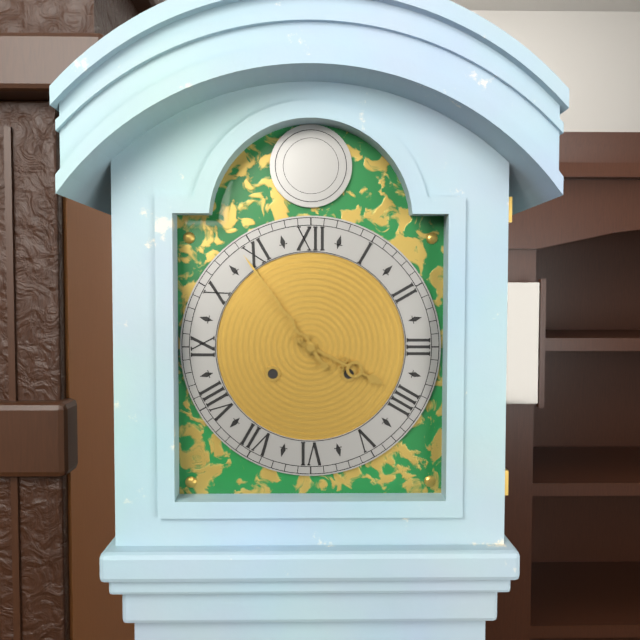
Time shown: **3:54**
